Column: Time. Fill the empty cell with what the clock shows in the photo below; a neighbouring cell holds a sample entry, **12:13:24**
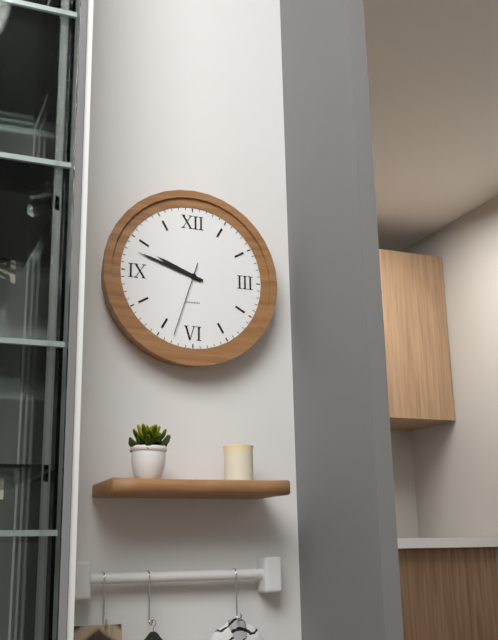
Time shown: **9:48:33**
